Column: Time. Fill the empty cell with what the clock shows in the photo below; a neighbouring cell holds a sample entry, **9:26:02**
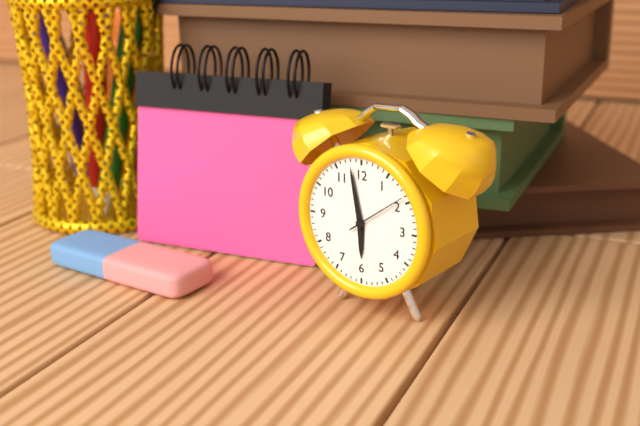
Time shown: **5:58:09**
